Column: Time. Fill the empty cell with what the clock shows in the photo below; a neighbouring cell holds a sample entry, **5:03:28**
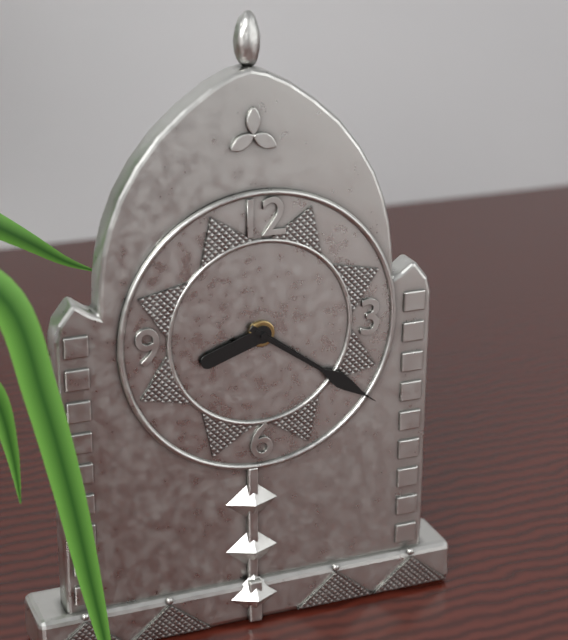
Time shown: **8:21:21**
